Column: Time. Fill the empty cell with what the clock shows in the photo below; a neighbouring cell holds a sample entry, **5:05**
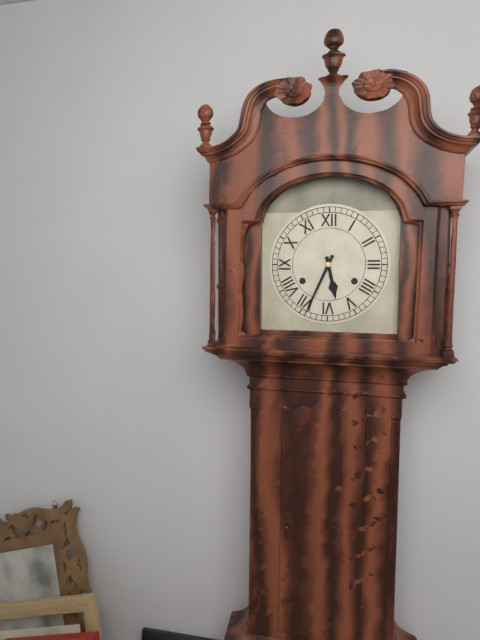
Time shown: **5:34**
